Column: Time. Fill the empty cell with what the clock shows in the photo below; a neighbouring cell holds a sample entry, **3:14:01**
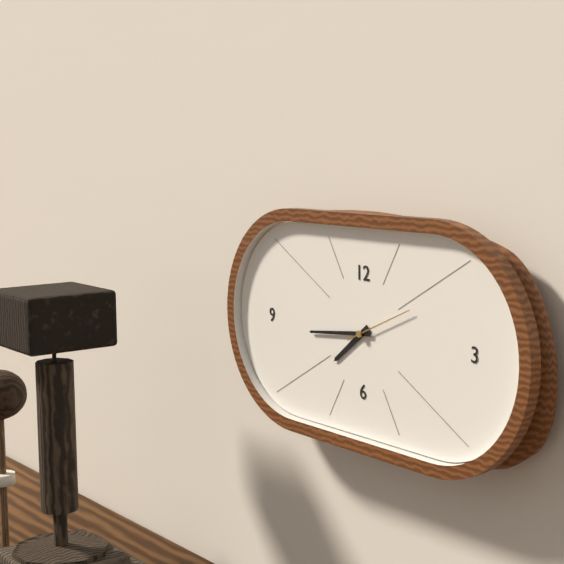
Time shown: **7:44:11**
